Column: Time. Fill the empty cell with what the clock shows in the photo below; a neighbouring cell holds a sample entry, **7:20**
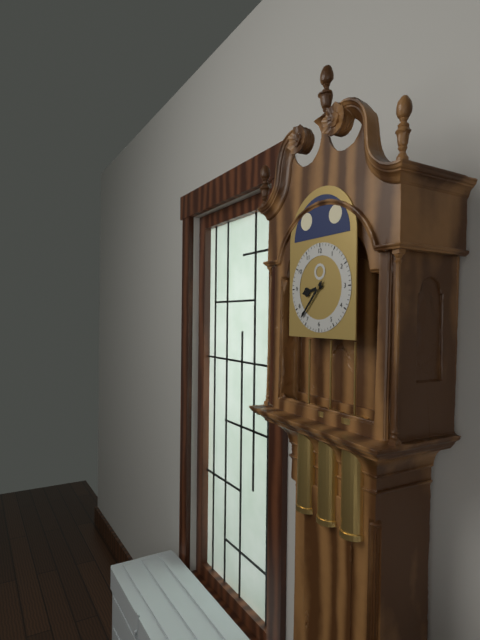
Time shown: **8:37**
